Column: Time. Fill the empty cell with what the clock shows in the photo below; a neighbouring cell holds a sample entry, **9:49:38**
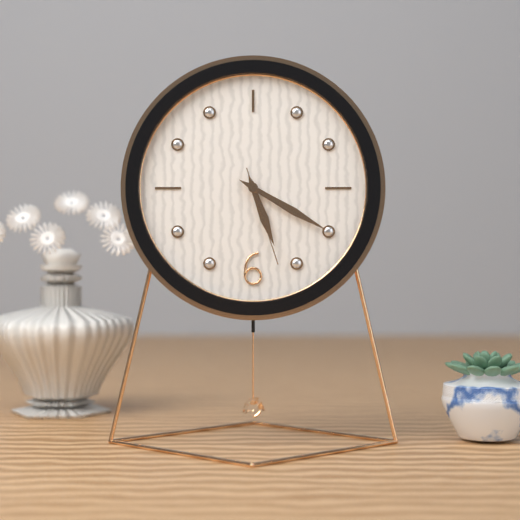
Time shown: **5:20:27**
